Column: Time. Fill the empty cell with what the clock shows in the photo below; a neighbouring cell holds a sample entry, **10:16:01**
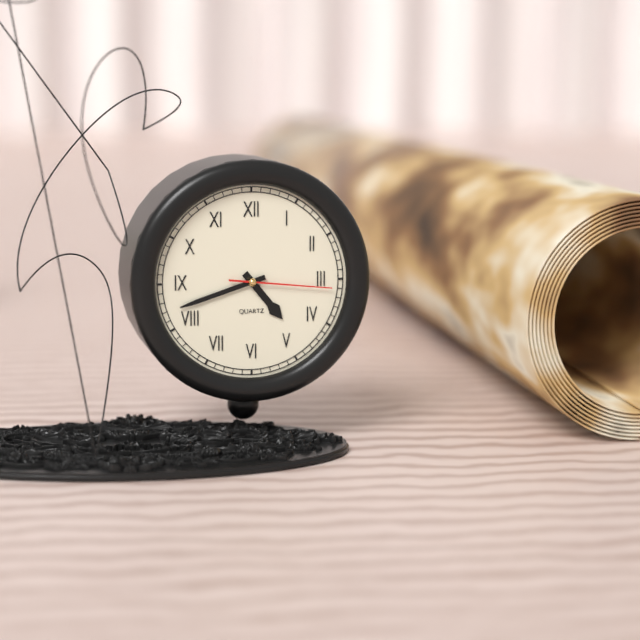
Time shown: **4:42:16**
